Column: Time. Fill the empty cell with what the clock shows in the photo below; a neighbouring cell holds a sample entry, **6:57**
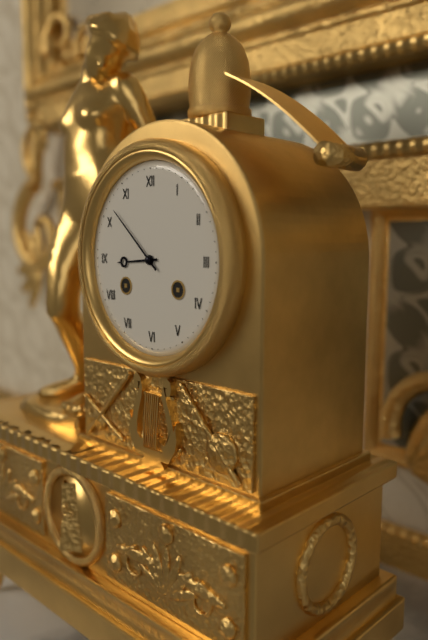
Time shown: **8:52**
